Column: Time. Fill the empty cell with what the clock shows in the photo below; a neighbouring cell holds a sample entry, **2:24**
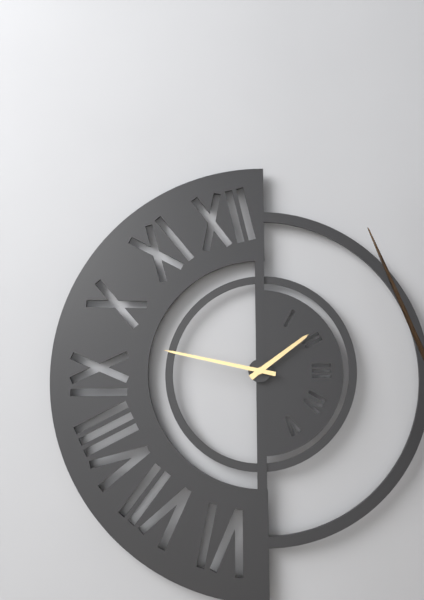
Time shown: **1:47**
